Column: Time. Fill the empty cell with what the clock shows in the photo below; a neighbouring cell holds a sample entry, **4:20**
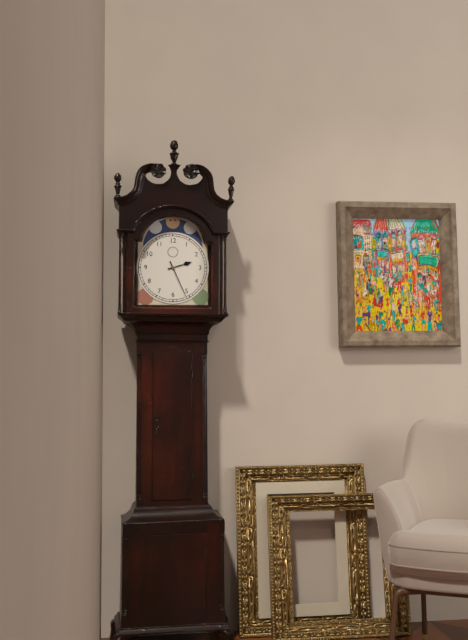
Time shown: **2:26**
